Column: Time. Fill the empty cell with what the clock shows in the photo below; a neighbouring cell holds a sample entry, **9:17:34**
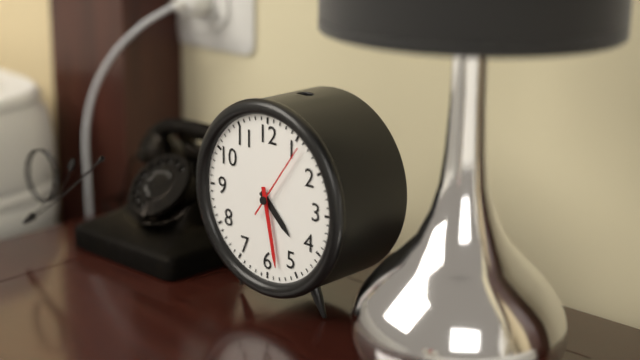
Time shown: **4:28:06**
